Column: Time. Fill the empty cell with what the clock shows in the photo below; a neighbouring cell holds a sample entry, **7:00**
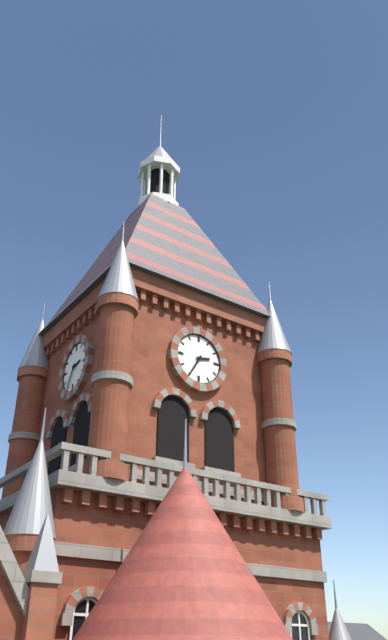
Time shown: **2:35**
